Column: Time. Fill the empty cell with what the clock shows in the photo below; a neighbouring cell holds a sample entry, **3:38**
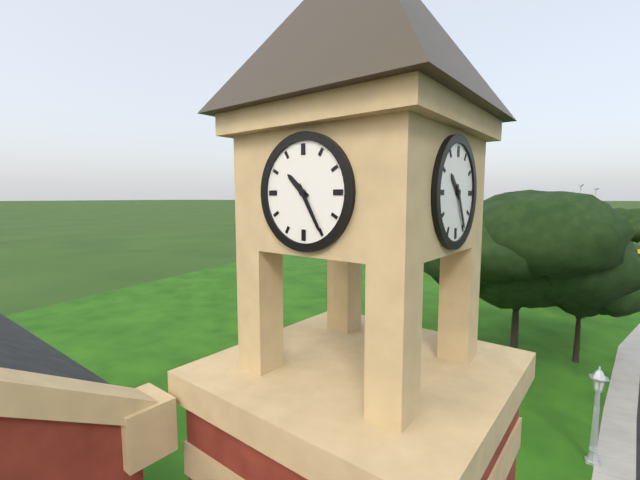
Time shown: **10:25**
